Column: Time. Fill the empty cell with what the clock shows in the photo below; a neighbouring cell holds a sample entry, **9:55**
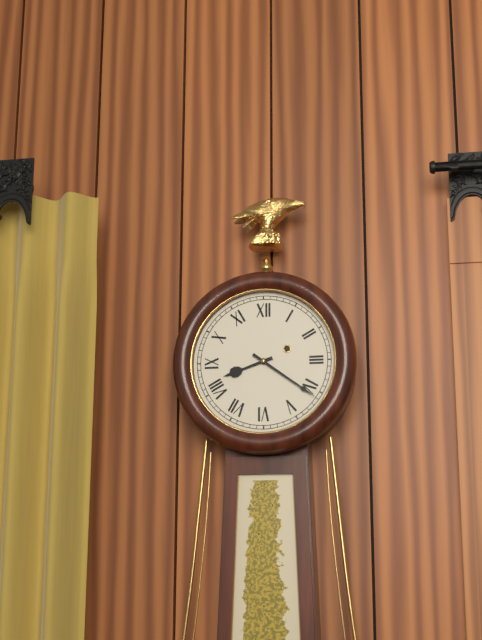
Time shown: **8:21**
